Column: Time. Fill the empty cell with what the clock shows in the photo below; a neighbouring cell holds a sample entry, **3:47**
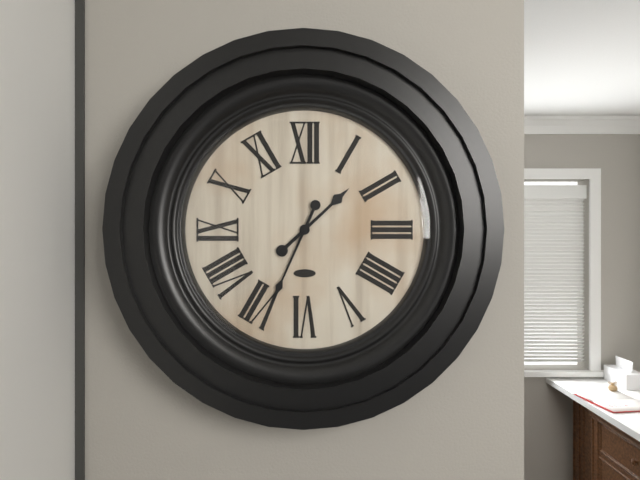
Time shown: **1:34**
